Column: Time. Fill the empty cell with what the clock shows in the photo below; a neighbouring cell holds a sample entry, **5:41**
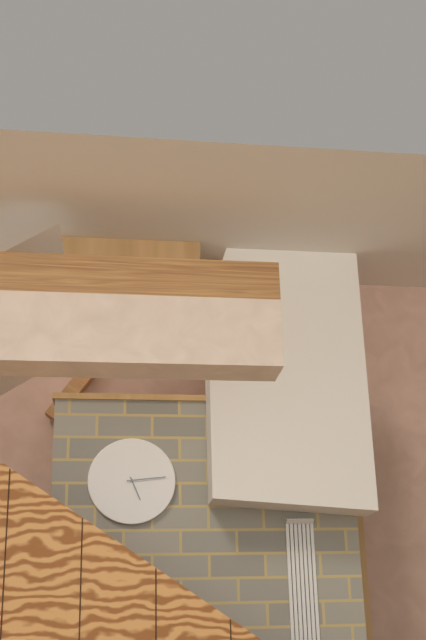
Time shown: **5:14**
